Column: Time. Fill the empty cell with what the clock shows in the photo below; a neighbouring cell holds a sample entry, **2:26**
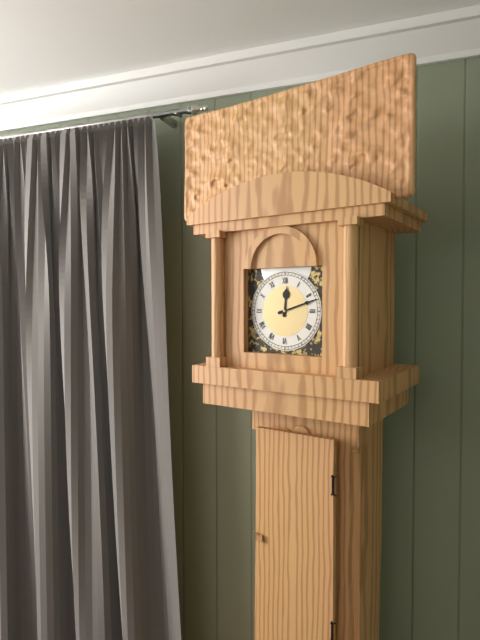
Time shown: **12:12**
